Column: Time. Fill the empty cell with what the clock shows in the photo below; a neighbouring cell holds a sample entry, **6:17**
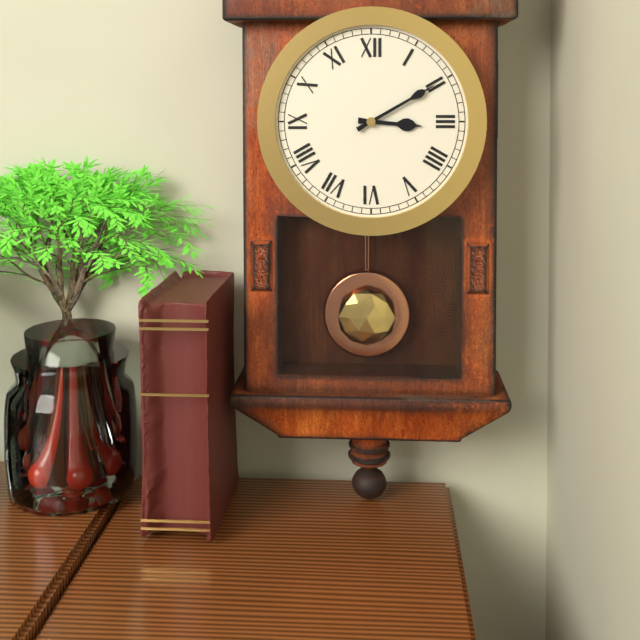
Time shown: **3:10**
